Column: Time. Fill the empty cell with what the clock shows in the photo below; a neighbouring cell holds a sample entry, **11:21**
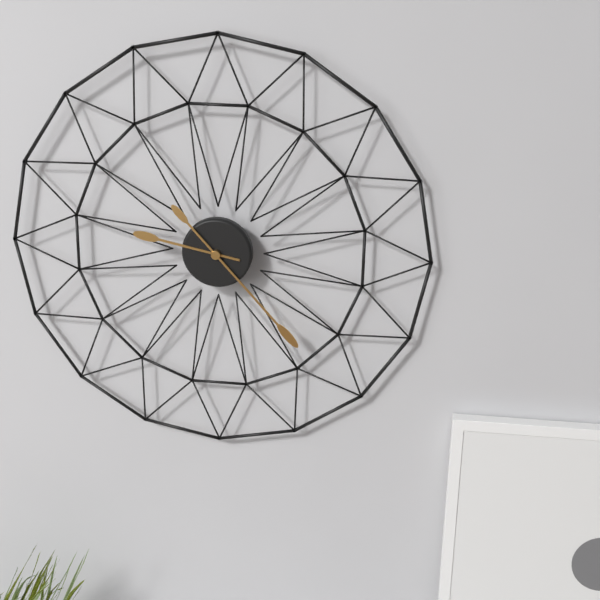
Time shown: **9:23**
